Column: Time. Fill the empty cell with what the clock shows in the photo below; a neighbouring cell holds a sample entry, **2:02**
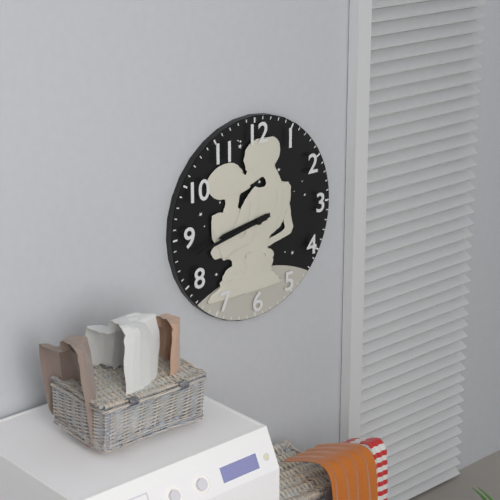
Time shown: **8:43**
